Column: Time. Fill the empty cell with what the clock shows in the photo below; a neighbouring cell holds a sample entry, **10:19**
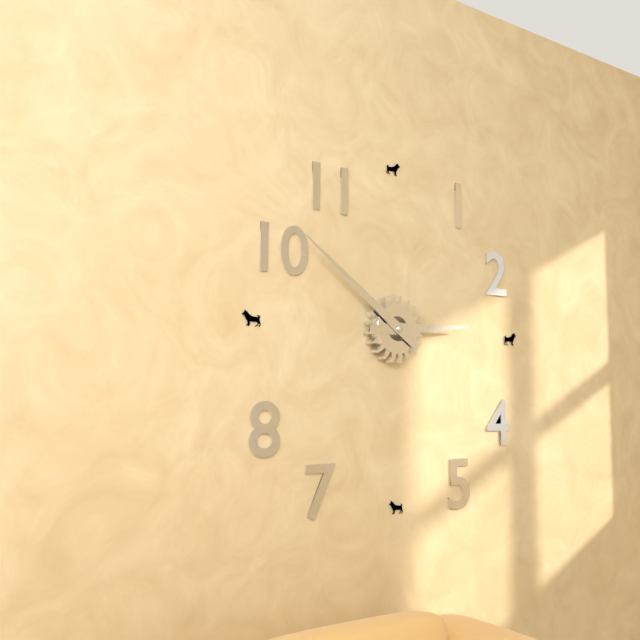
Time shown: **2:51**
